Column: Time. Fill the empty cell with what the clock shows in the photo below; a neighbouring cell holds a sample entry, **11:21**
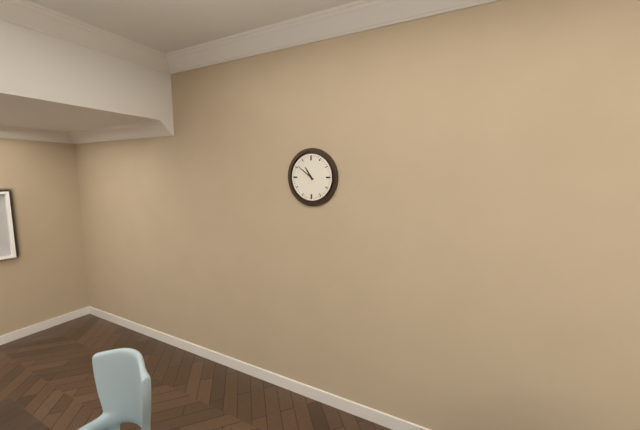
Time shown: **10:51**
